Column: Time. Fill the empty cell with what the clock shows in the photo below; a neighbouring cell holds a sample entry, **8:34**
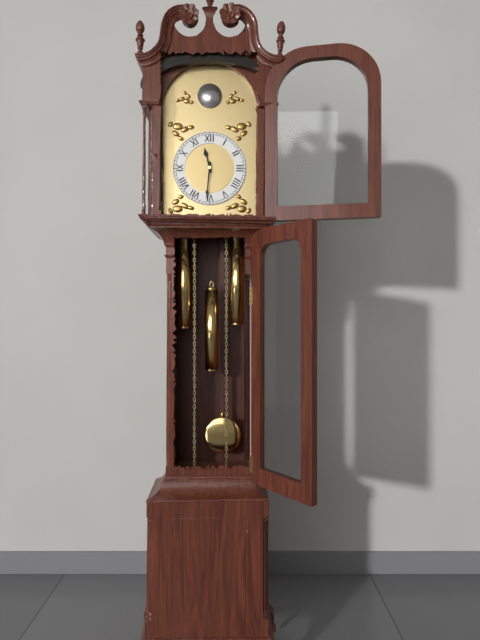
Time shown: **11:31**
